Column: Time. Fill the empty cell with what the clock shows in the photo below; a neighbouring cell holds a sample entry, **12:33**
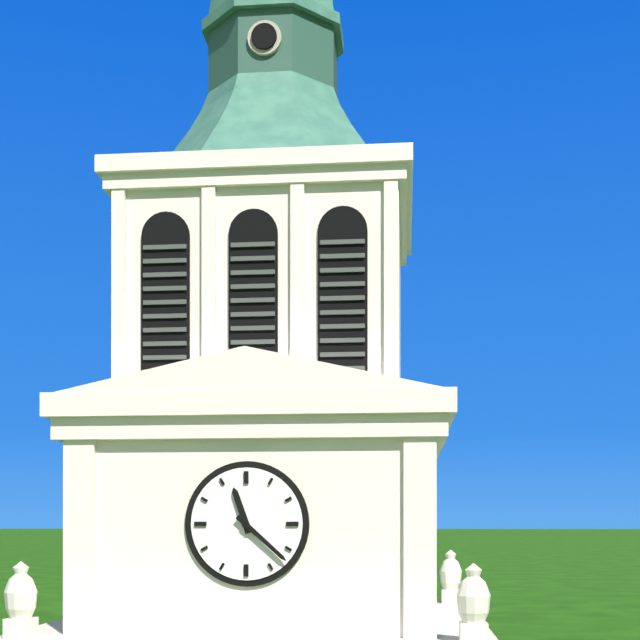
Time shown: **11:22**
